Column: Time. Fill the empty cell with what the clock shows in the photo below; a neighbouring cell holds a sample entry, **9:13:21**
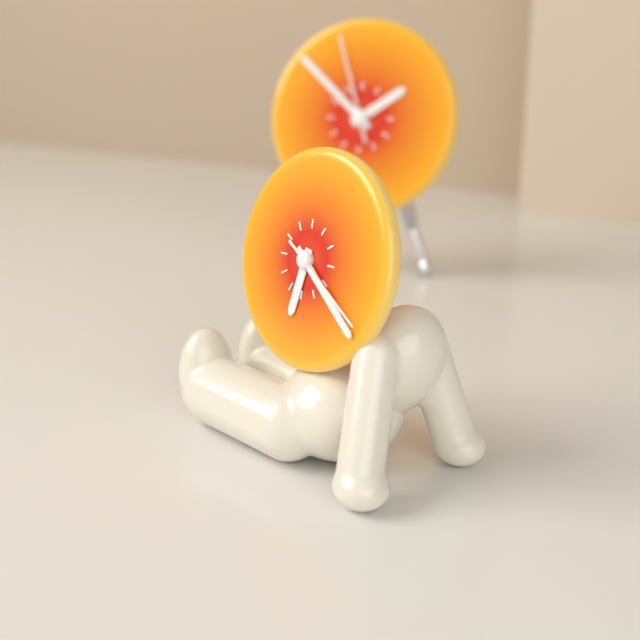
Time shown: **6:21:20**
